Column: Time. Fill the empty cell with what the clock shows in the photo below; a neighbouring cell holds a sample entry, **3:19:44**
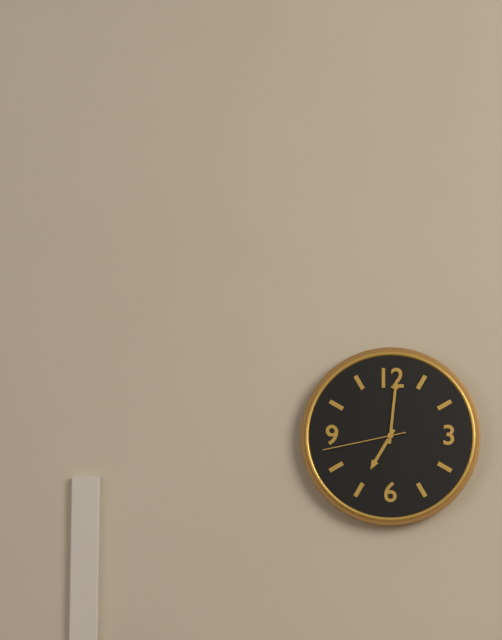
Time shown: **7:01:43**
